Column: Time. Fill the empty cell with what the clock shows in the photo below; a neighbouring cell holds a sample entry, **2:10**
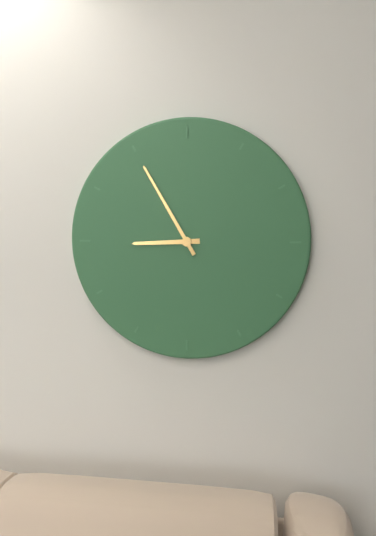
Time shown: **8:55**
